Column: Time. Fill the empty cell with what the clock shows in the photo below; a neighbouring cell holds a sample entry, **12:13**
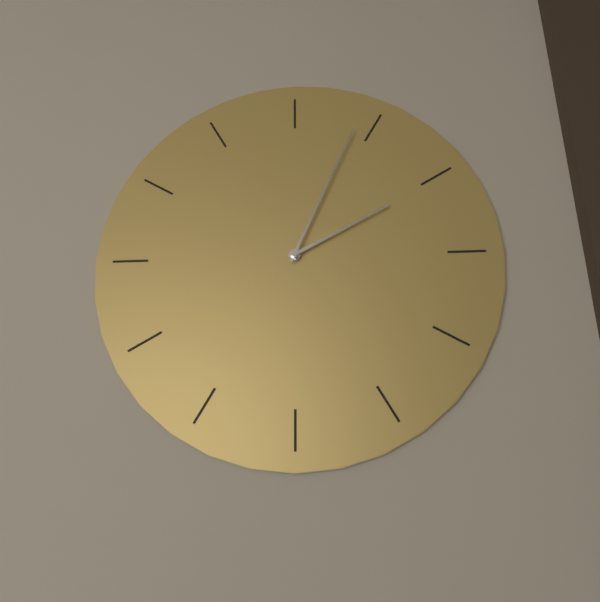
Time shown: **2:04**
